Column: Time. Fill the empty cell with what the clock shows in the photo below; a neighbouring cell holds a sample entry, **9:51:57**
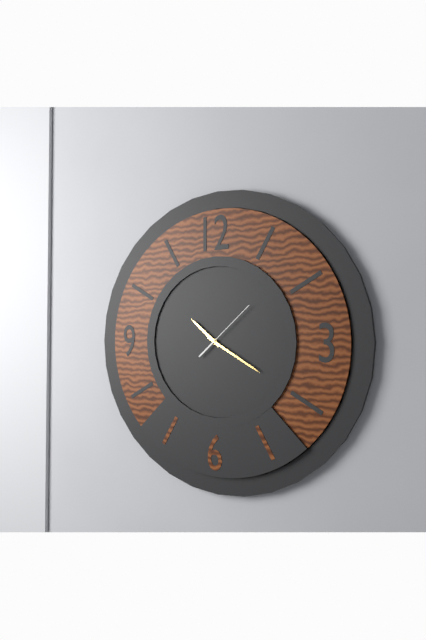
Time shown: **10:20:08**
